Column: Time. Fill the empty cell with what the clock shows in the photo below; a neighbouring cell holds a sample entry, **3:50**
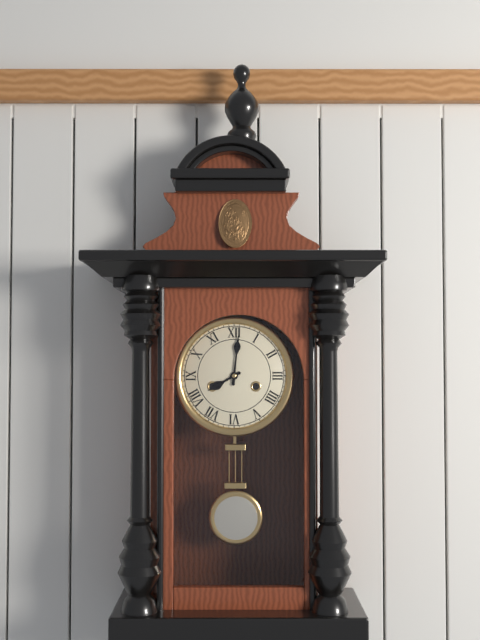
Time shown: **8:01**
